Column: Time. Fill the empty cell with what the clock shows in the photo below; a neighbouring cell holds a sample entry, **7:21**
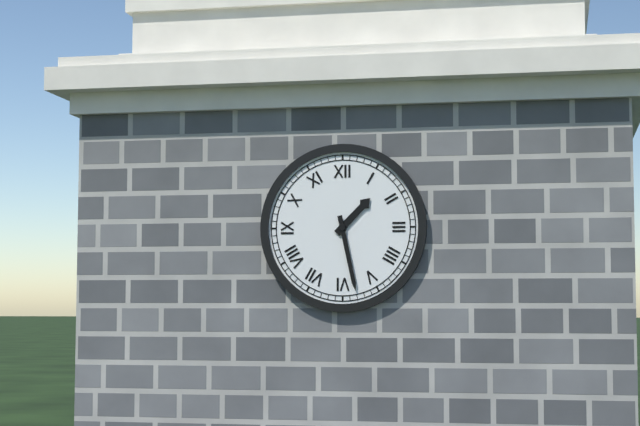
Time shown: **1:28**
